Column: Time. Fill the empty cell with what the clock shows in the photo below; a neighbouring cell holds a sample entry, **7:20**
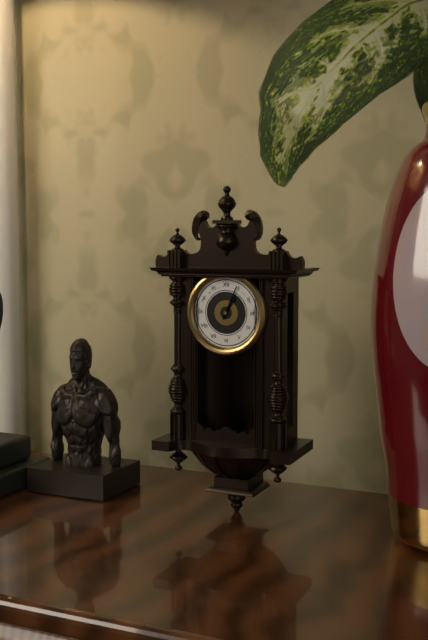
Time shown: **1:04**
